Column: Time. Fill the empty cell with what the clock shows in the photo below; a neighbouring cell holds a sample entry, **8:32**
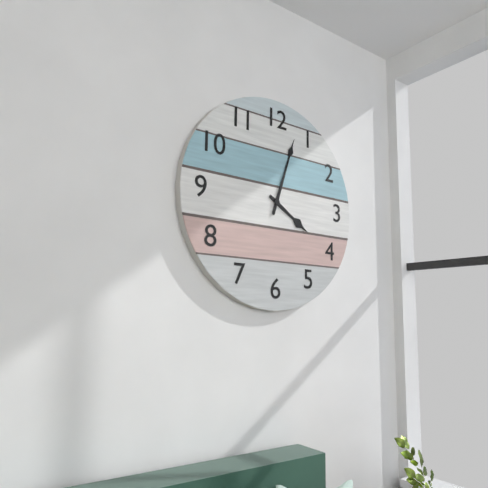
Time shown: **4:03**
